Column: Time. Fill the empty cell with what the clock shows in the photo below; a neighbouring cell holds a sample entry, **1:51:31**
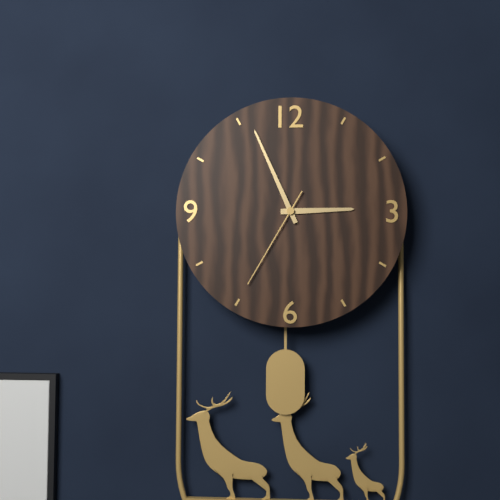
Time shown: **2:56:35**
